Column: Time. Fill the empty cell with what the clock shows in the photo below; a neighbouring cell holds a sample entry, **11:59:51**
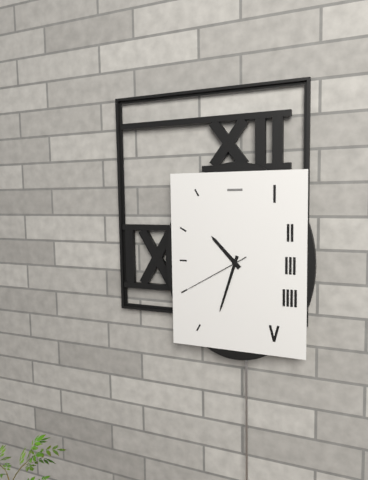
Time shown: **10:33:40**
